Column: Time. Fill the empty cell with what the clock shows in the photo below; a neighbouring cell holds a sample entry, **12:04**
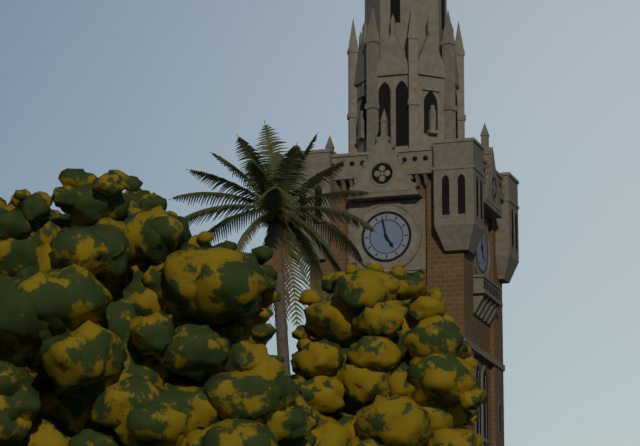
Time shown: **4:58**
